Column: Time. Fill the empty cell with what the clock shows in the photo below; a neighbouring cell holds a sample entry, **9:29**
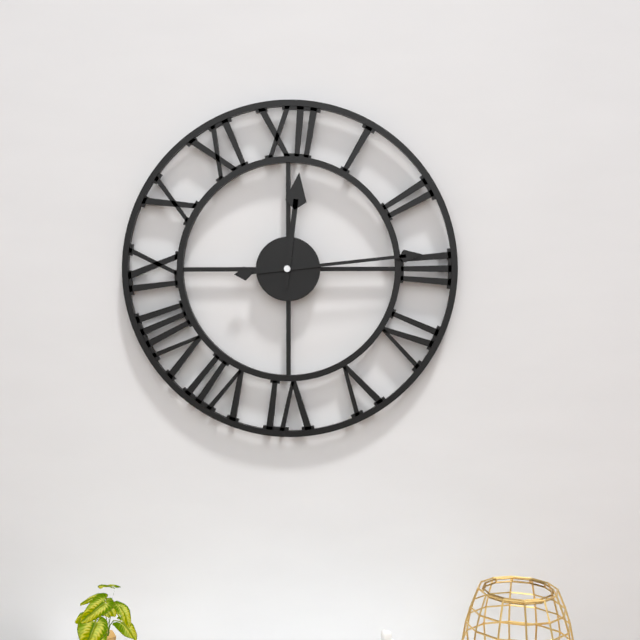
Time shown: **12:14**
